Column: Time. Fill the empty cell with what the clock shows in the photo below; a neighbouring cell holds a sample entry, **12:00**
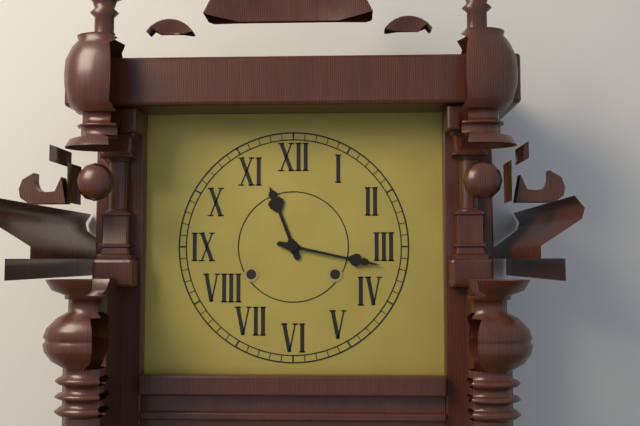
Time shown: **11:17**
